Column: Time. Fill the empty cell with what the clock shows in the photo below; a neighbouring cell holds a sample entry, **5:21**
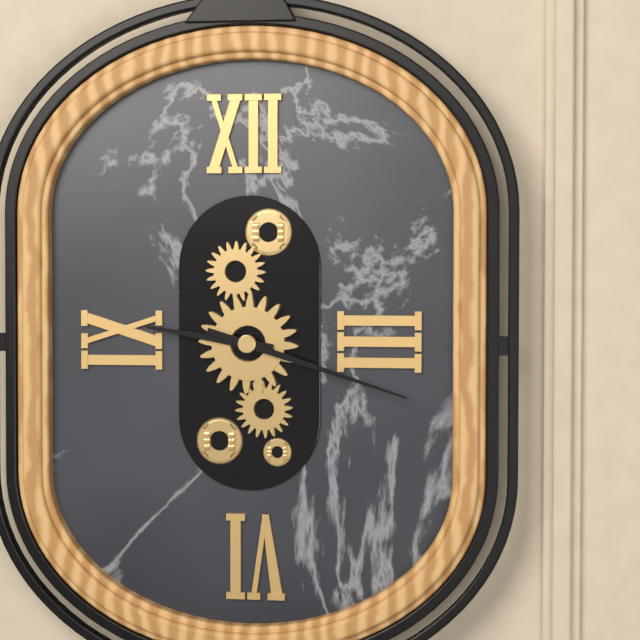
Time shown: **9:18**
